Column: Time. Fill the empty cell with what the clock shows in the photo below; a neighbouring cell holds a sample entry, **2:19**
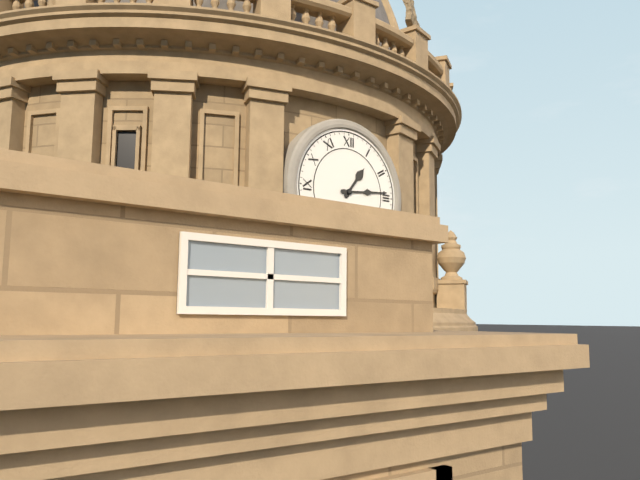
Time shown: **1:14**
